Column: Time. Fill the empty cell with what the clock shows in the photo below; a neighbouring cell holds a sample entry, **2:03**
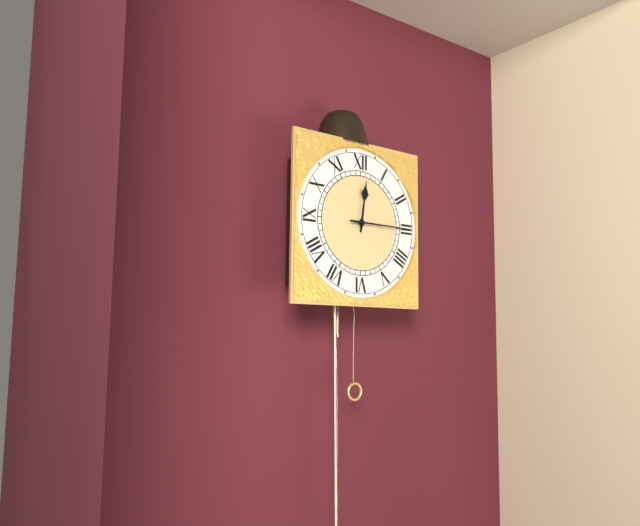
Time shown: **12:15**
